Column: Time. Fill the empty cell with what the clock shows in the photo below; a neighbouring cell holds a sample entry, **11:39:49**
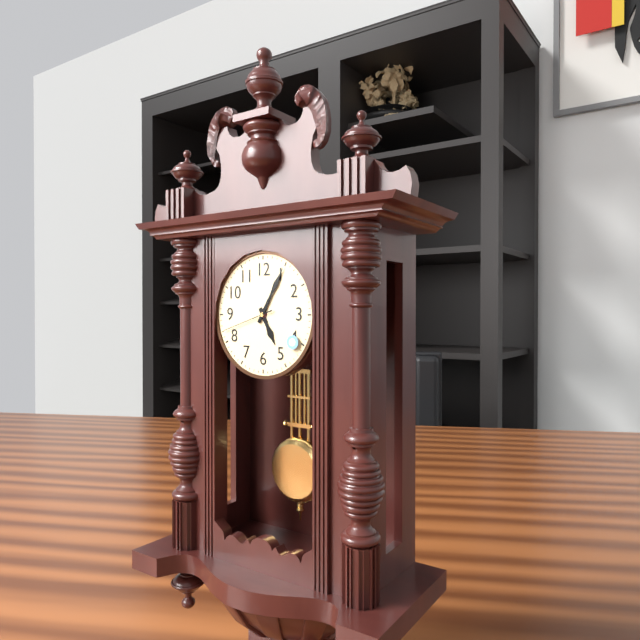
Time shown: **5:05:42**
